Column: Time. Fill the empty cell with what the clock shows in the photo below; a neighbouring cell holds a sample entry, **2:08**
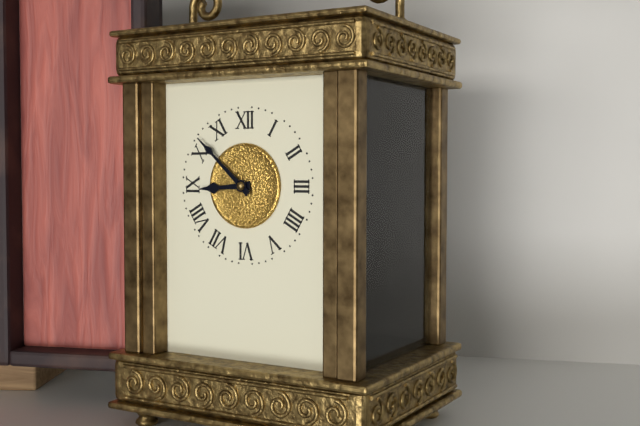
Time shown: **8:52**
